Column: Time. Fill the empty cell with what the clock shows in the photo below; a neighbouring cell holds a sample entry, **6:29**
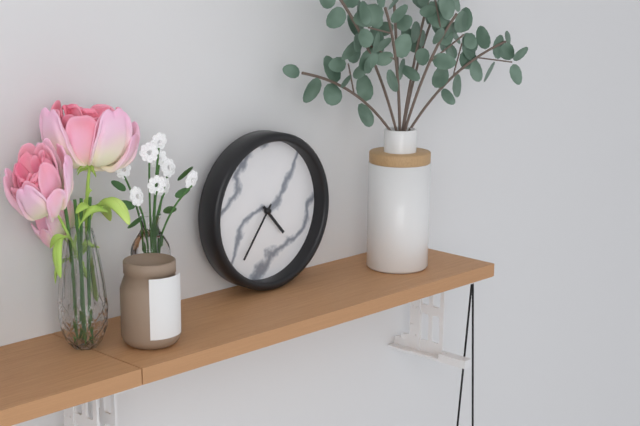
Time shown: **4:36**
